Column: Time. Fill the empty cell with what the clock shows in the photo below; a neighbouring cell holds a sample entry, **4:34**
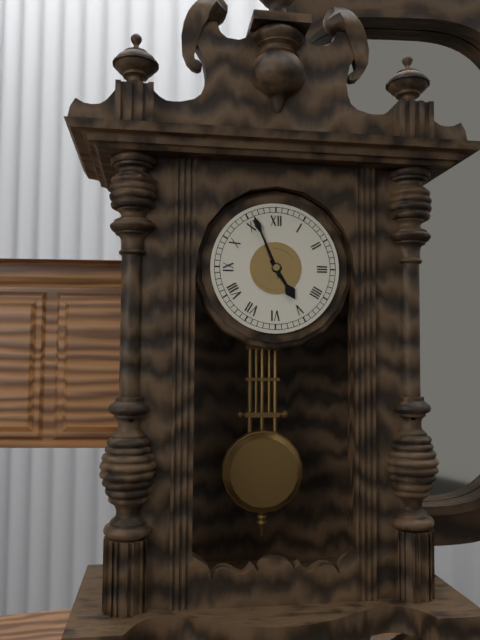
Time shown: **4:56**
